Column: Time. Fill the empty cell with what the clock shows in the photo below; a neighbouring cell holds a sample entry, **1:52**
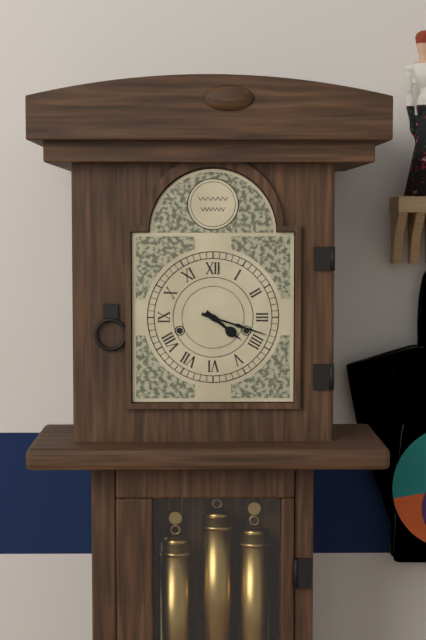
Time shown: **4:18**
